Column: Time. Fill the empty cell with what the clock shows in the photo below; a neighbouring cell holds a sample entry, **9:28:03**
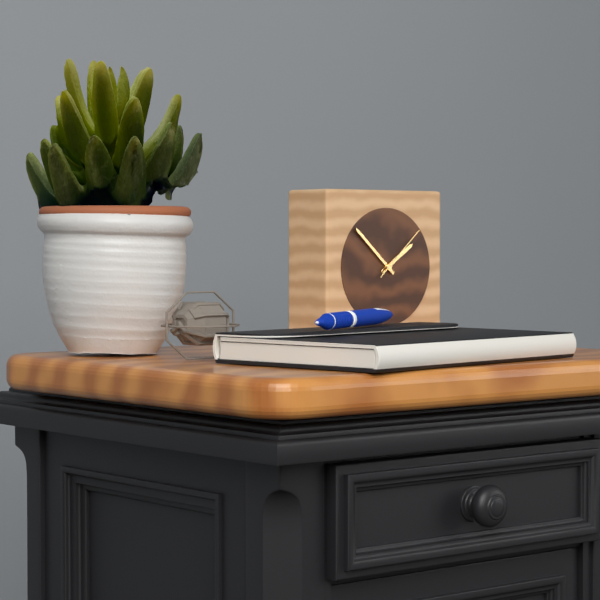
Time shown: **1:52:08**
